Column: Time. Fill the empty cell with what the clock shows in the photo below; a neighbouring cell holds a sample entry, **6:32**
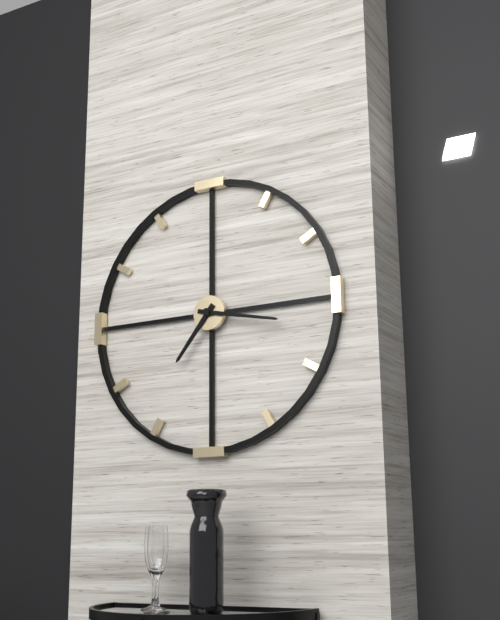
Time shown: **7:17**
